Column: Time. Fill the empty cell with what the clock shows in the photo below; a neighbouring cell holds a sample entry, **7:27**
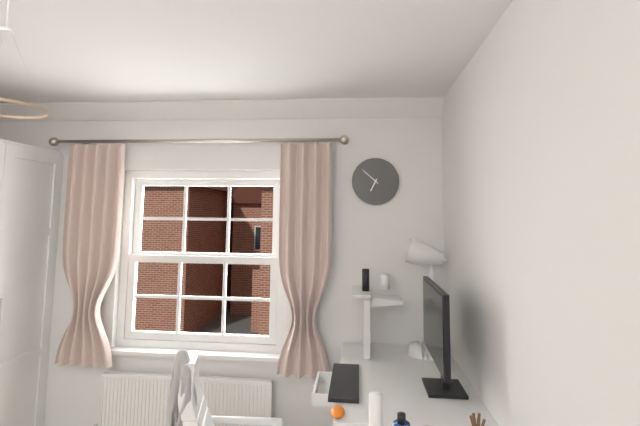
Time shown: **6:52**
